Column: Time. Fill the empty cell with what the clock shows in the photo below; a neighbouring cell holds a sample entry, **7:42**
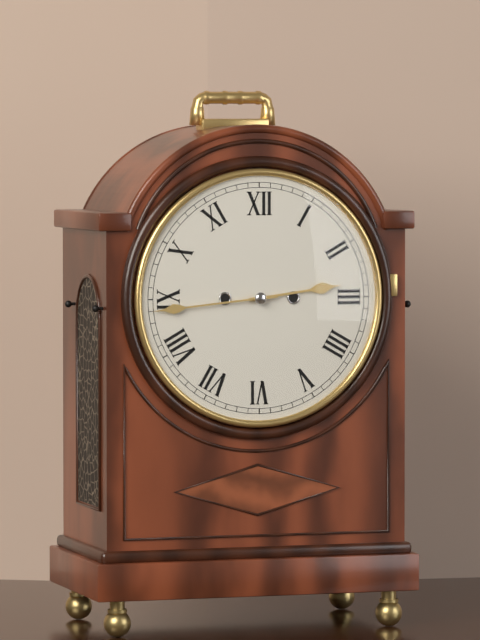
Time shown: **2:44**
